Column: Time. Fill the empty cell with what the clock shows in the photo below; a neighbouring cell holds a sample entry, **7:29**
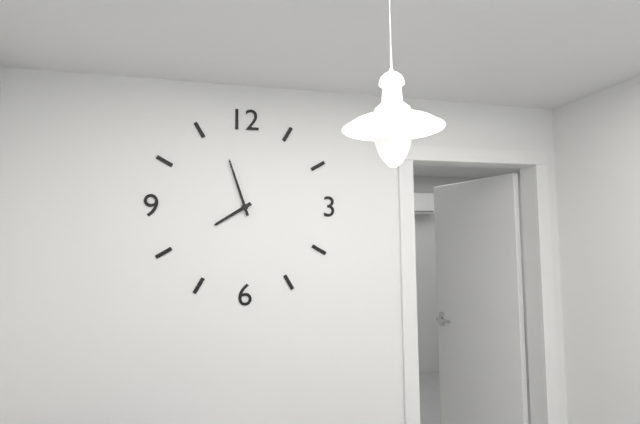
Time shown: **7:57**
